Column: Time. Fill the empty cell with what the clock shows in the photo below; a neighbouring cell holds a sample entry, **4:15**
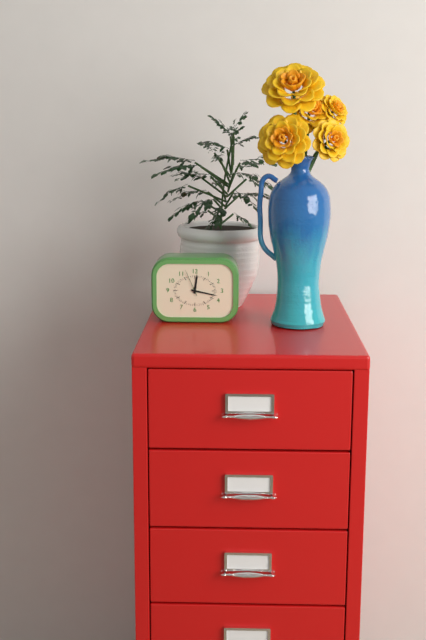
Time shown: **12:17**
